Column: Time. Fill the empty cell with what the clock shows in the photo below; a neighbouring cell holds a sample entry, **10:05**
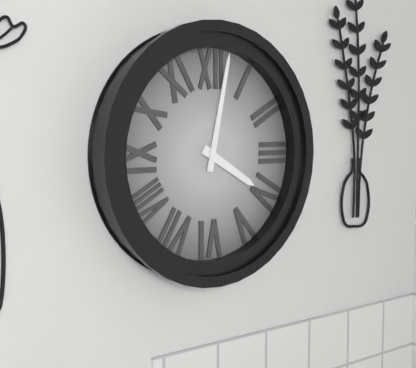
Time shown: **4:02**
